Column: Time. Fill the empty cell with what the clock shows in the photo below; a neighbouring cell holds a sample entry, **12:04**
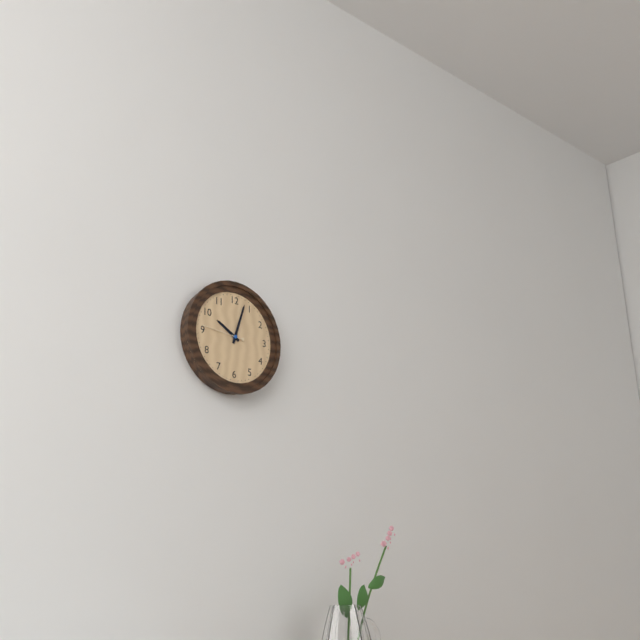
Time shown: **10:03**
